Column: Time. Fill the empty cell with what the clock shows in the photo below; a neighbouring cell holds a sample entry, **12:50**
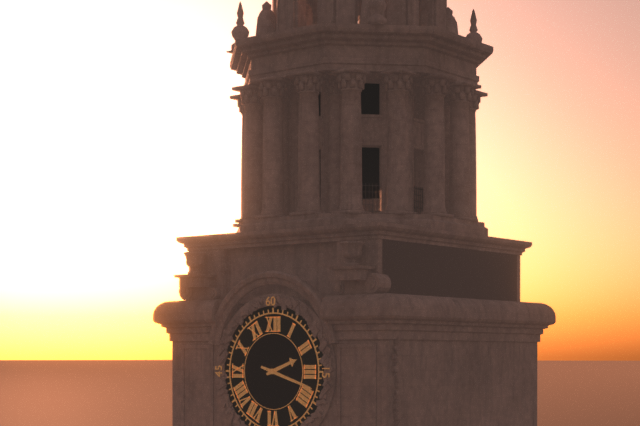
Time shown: **2:18**
